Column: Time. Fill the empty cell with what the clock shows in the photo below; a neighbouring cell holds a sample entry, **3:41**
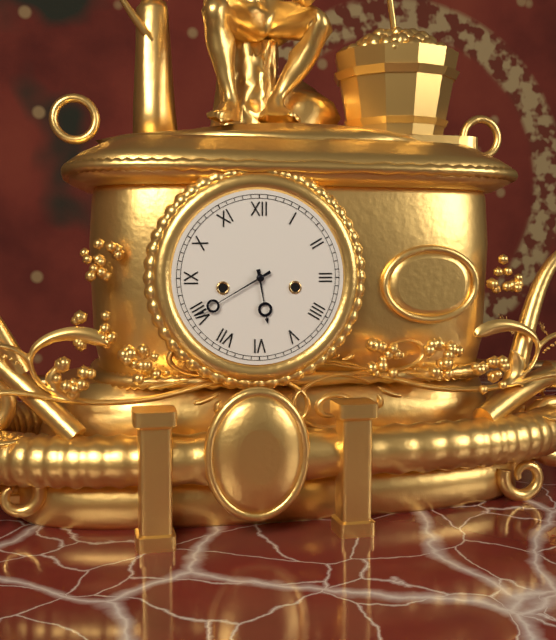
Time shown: **5:40**
